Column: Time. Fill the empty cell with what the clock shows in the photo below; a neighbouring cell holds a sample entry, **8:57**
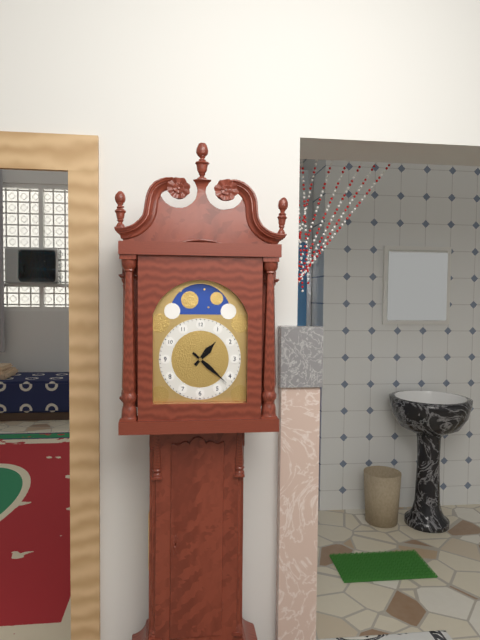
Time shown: **1:22**
